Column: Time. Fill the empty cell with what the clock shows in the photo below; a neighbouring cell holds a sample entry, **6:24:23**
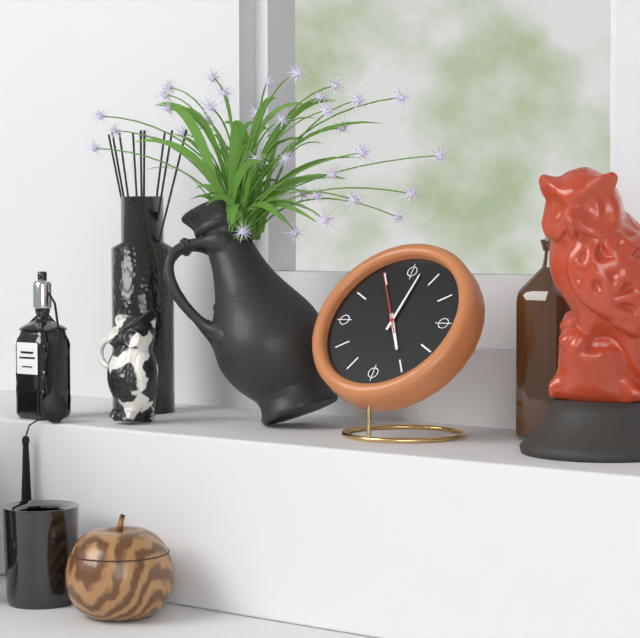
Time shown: **5:02:55**
